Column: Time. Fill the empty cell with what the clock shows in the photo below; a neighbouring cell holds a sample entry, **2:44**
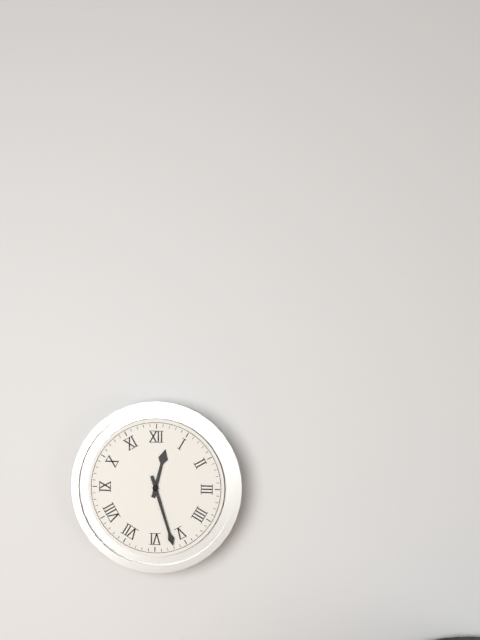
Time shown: **12:27**
